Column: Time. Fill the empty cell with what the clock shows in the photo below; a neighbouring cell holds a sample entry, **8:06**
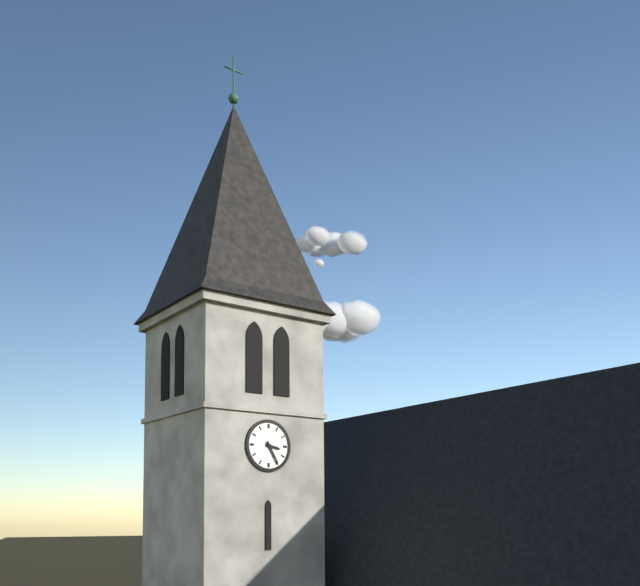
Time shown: **3:25**
